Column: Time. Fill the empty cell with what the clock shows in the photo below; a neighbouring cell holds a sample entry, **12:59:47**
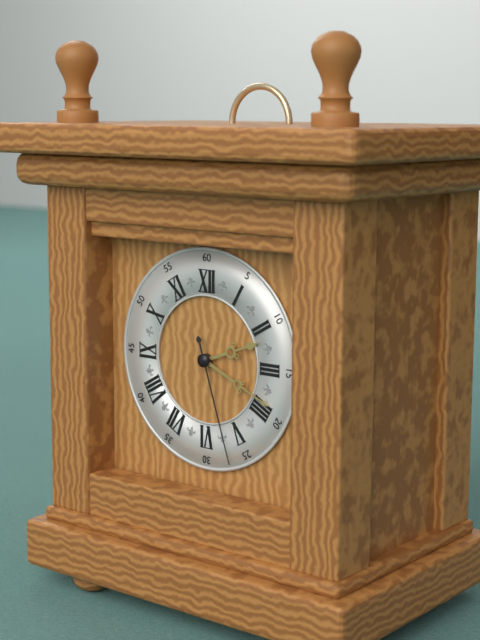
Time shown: **2:19:27**
